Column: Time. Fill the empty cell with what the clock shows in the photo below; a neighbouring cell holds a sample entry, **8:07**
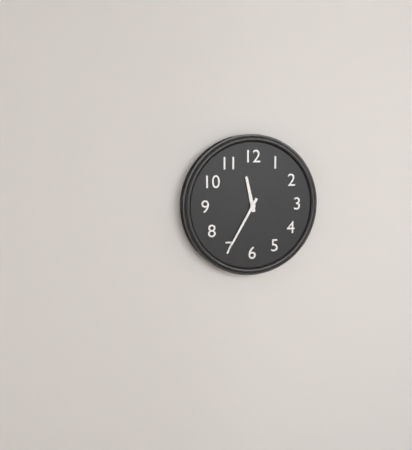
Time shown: **11:35**
